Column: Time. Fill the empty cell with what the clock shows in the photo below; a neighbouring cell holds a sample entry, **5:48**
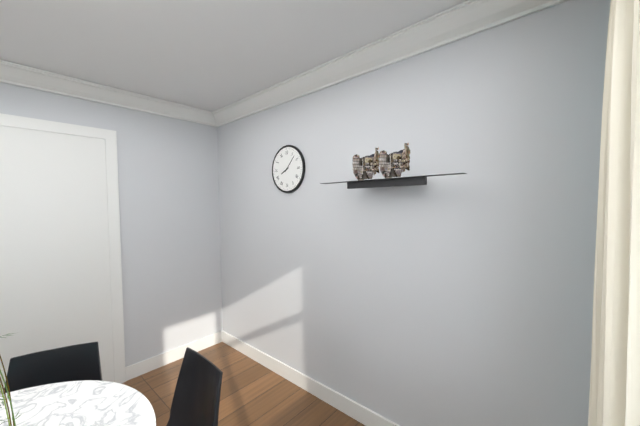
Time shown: **8:07**
